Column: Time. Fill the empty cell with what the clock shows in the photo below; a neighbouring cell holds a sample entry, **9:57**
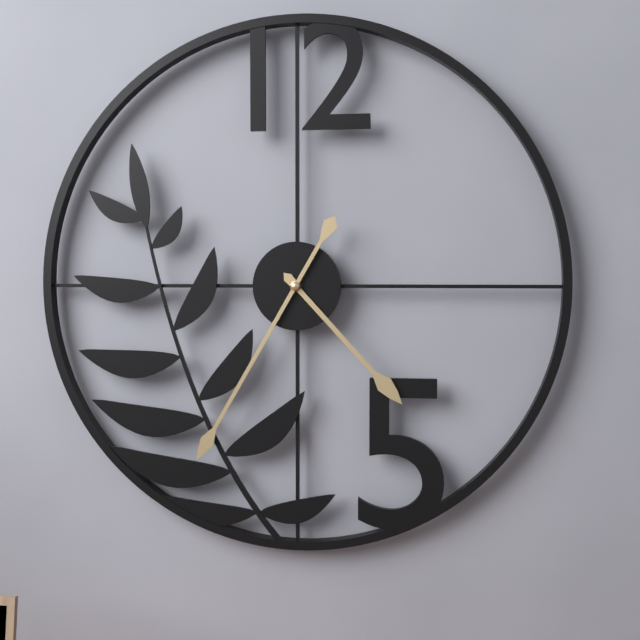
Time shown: **4:35**
